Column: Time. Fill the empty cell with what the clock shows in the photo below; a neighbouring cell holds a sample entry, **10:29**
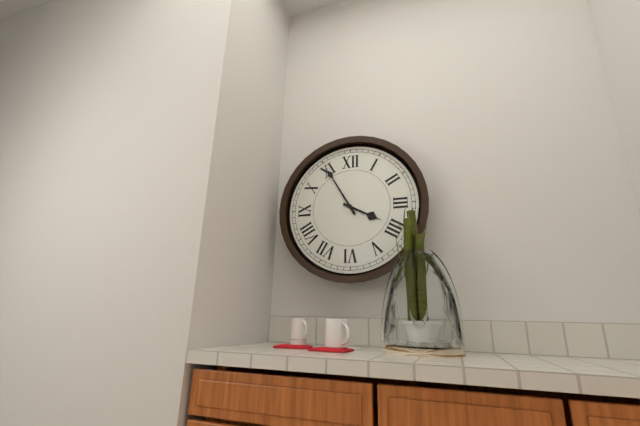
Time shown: **3:55**
